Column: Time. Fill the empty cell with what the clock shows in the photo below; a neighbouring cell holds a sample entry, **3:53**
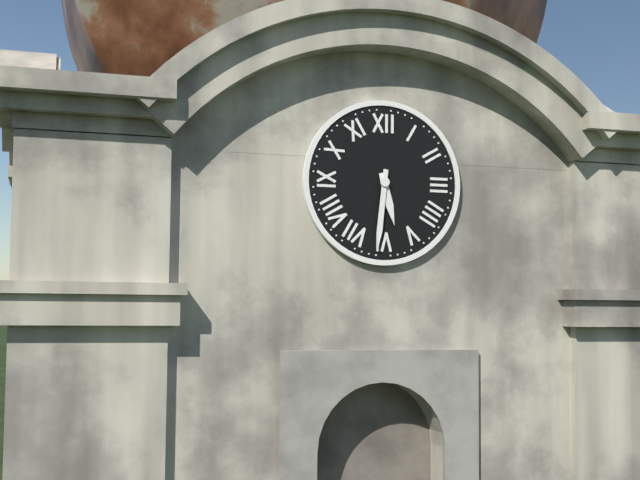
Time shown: **5:31**
